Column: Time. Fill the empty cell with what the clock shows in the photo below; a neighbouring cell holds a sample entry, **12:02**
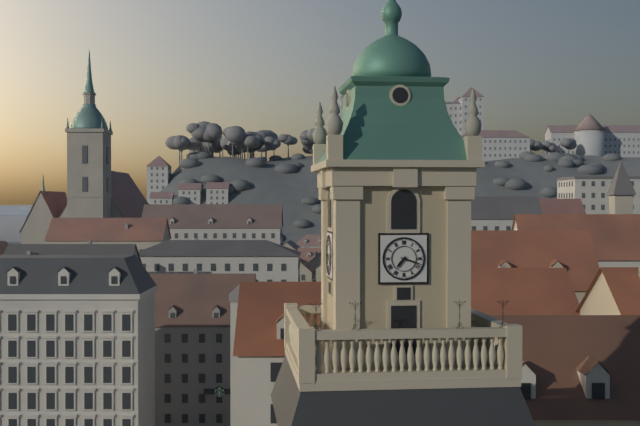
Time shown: **7:18**
